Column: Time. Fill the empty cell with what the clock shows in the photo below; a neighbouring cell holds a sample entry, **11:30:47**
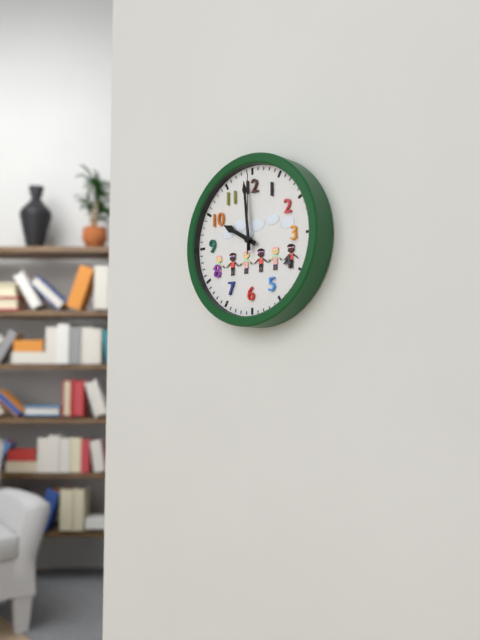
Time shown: **9:59:00**
